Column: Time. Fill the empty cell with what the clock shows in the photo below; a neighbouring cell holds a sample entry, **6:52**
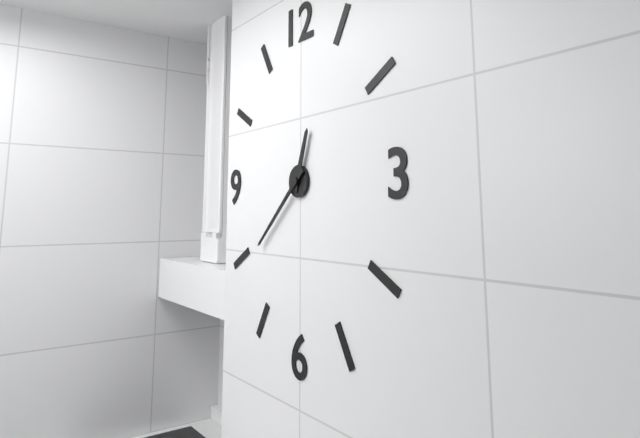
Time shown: **12:38**
